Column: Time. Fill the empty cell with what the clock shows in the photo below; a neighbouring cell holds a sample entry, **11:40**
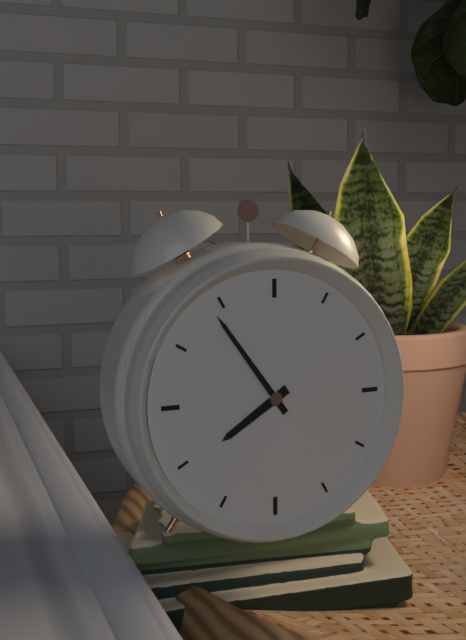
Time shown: **7:54**
